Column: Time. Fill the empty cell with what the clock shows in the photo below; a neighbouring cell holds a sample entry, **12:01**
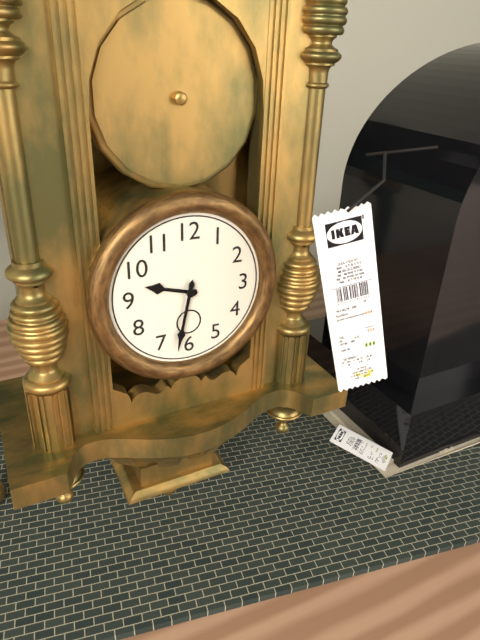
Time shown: **9:32**
